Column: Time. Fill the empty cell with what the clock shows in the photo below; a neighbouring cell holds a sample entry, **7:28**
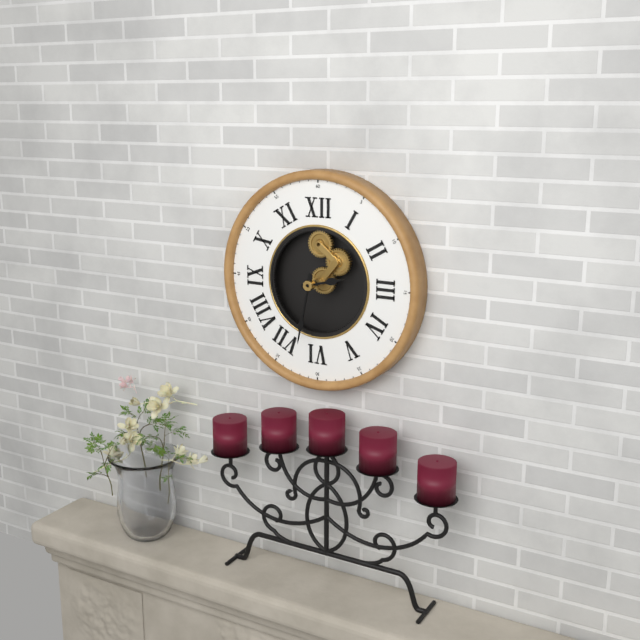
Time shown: **2:32**
